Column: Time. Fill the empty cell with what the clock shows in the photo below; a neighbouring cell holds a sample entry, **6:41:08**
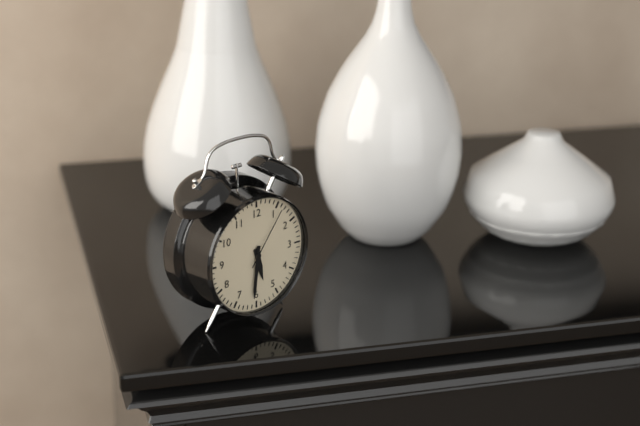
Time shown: **5:31:06**
